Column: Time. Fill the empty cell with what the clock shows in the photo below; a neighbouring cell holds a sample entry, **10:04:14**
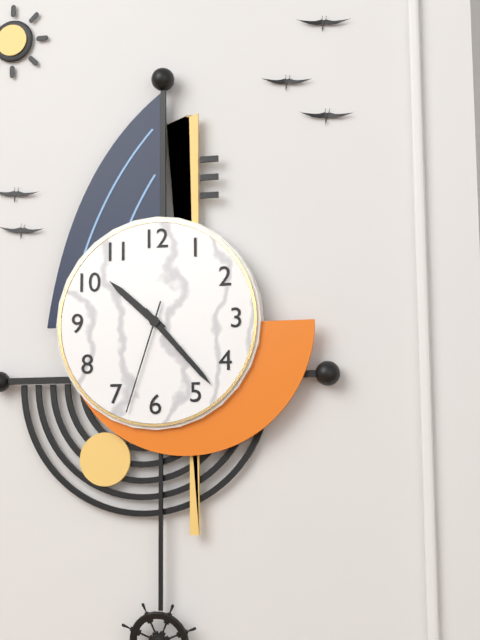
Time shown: **10:23:33**
